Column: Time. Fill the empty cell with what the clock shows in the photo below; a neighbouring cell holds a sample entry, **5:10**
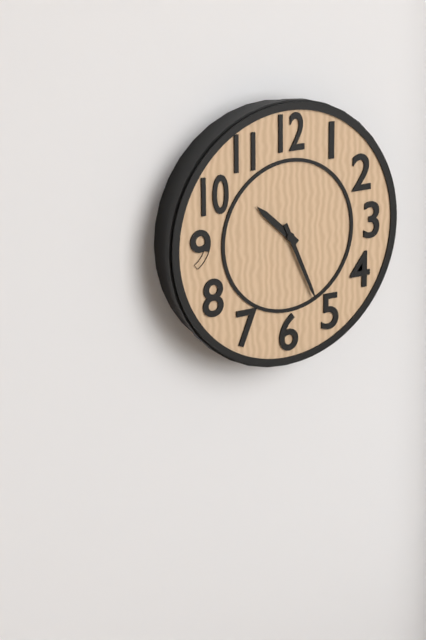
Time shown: **10:26**
